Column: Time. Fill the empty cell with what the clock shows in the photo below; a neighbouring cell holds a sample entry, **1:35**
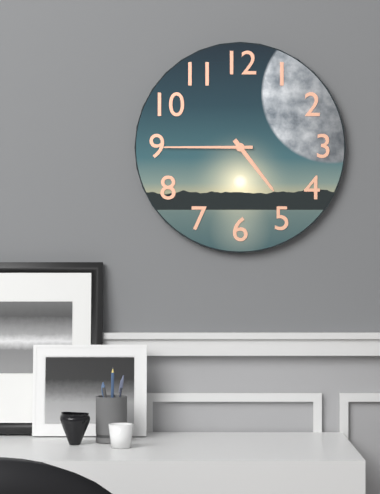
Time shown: **4:45**
